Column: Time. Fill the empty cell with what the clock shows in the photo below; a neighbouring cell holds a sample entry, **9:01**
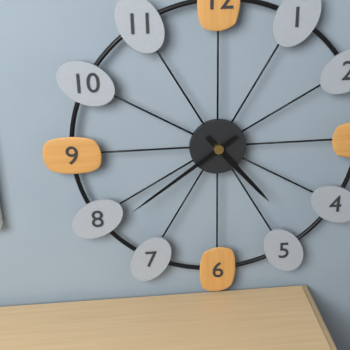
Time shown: **4:39**
